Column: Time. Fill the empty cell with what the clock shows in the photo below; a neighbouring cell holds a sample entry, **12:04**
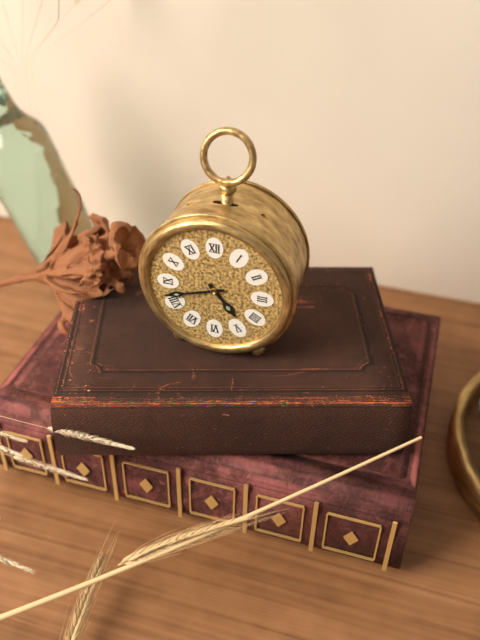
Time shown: **4:42**
